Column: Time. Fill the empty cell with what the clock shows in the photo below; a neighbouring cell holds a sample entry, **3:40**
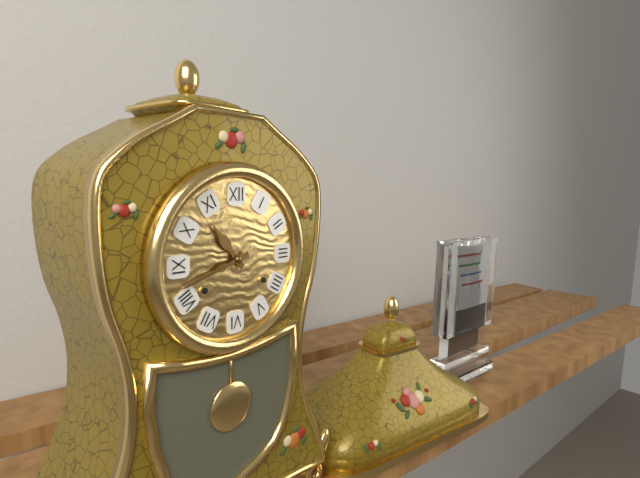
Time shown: **10:42**
